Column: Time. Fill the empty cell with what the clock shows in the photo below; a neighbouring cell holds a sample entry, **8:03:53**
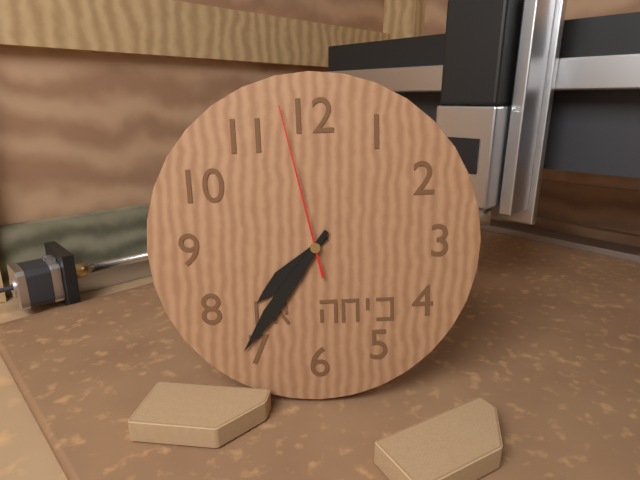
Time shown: **7:36:58**
